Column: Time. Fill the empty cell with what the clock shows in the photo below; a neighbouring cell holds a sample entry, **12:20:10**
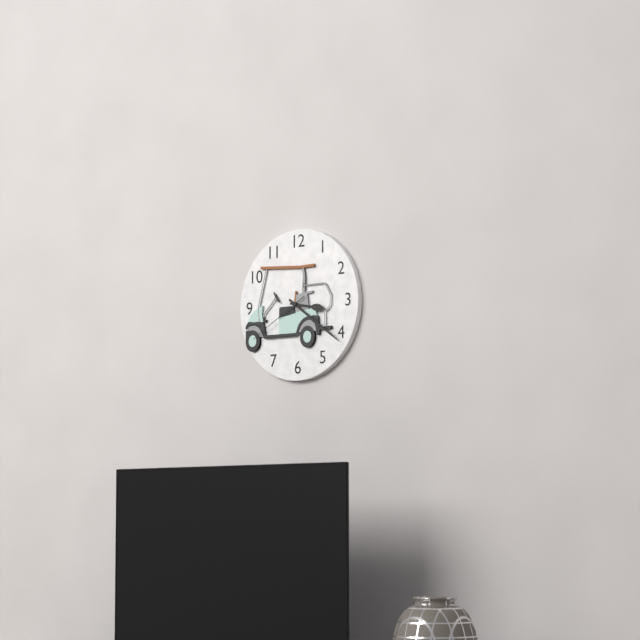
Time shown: **3:21:40**
